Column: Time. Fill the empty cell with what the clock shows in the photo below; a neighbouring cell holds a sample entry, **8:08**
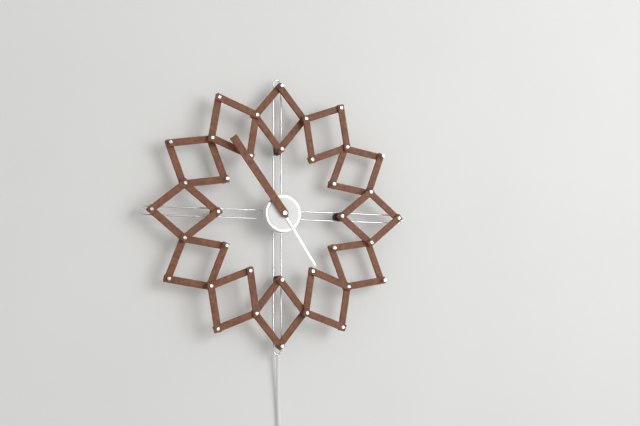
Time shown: **4:54**
